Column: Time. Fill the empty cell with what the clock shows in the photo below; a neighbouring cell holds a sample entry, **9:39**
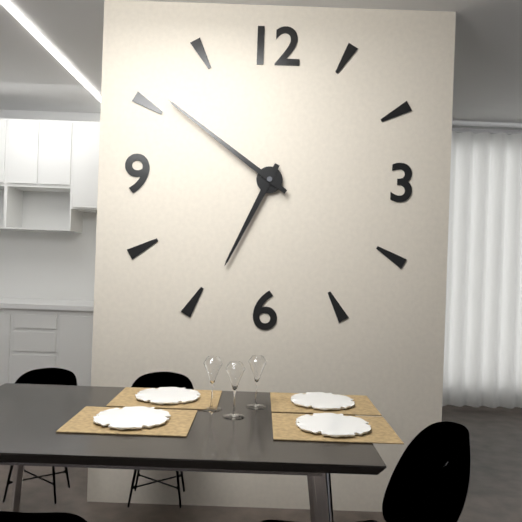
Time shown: **6:51**
